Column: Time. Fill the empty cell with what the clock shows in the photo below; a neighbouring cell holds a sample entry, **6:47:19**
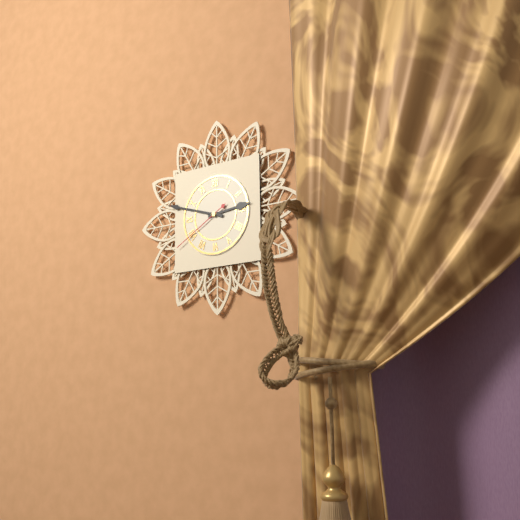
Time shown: **2:48:40**
